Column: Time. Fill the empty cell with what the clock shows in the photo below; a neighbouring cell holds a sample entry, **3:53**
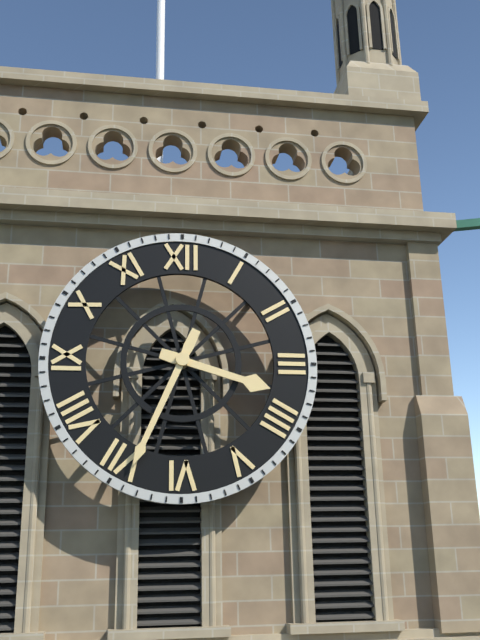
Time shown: **3:34**
